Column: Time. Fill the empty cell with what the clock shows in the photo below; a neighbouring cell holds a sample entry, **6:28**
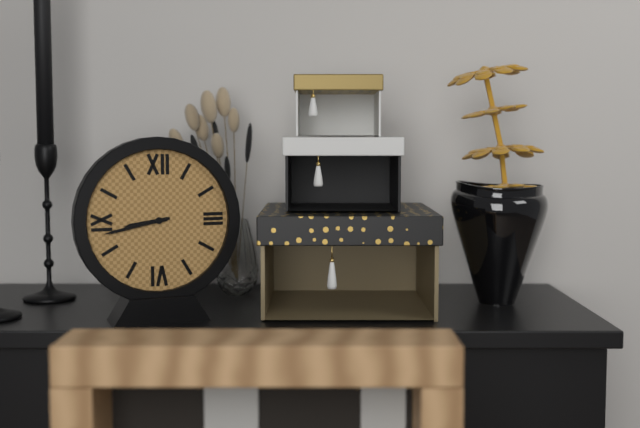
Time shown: **8:43**
